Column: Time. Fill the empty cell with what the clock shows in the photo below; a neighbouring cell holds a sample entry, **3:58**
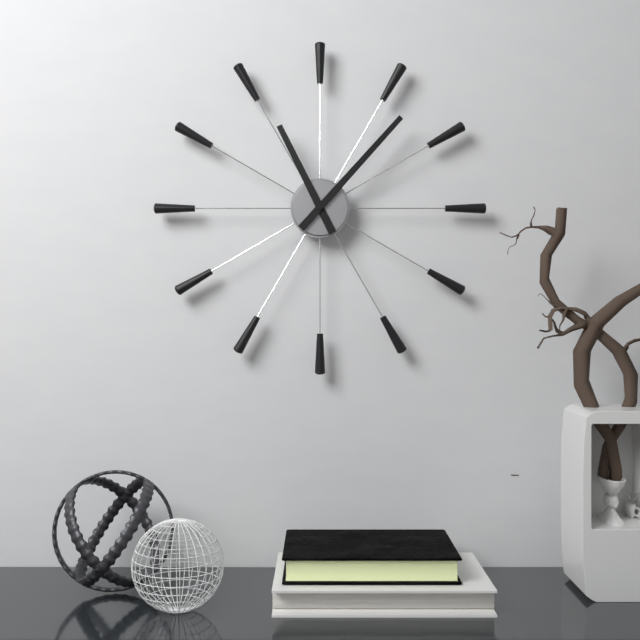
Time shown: **11:07**
